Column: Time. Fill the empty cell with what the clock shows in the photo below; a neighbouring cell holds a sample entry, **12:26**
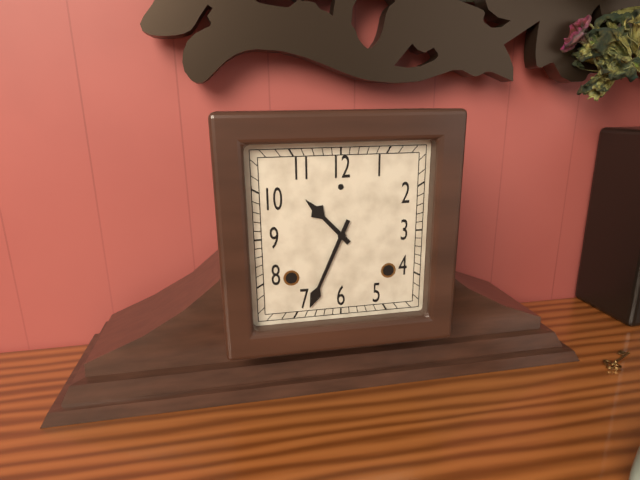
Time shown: **10:34**
